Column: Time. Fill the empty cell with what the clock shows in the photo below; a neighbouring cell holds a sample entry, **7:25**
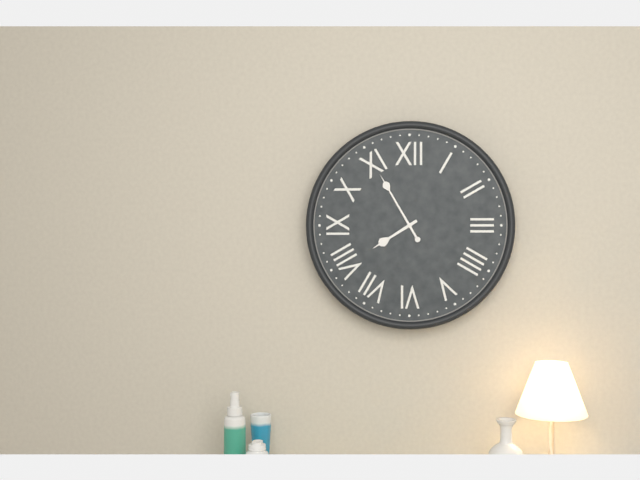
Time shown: **7:55**
